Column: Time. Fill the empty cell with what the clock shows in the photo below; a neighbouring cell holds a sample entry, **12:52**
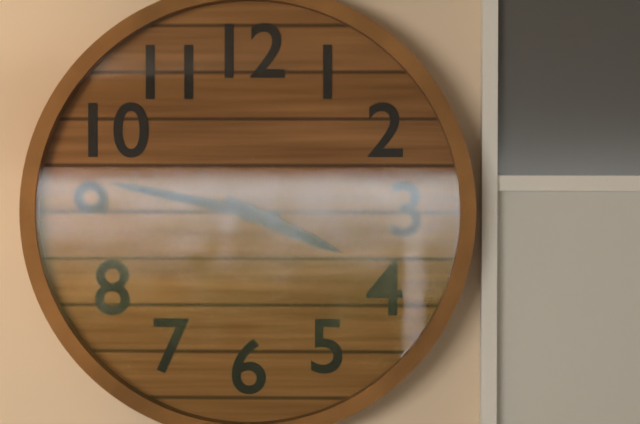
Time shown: **3:47**
